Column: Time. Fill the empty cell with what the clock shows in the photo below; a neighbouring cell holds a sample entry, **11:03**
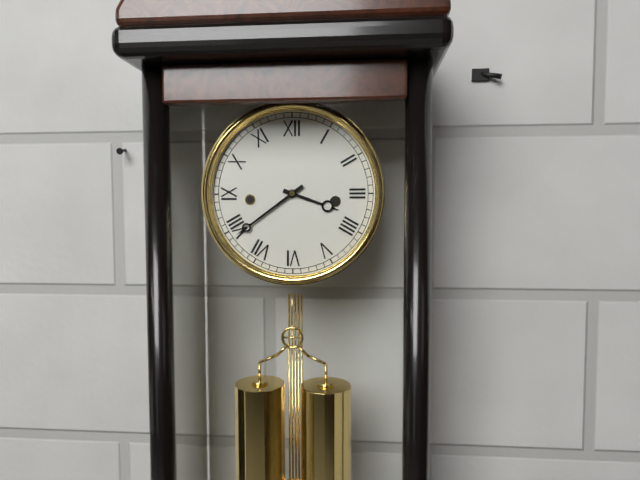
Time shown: **3:39**
